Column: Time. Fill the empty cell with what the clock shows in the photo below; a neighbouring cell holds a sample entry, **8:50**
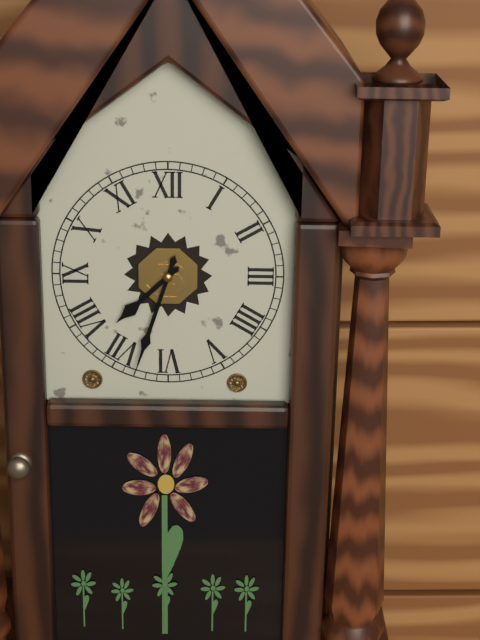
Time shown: **7:33**
